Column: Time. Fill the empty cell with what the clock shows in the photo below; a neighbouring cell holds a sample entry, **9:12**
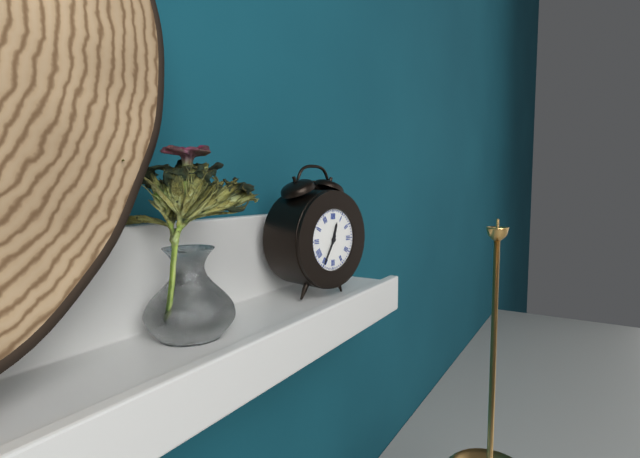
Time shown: **12:35**
